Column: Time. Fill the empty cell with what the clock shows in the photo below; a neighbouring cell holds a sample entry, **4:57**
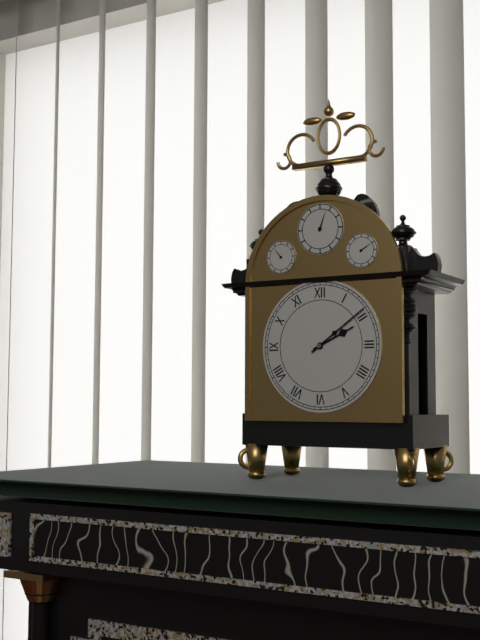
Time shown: **2:09**
